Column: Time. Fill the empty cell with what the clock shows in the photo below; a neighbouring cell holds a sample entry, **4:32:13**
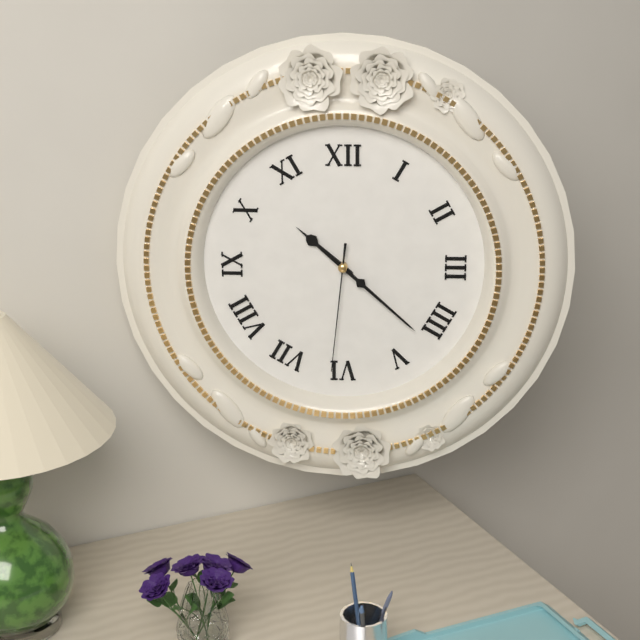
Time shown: **10:22:31**
